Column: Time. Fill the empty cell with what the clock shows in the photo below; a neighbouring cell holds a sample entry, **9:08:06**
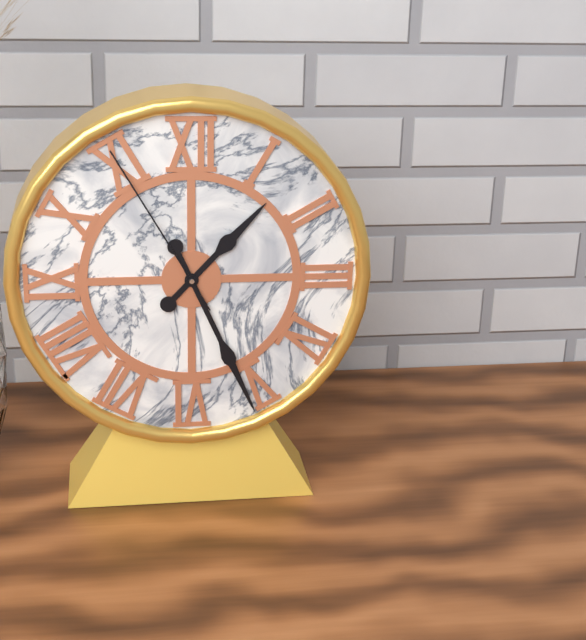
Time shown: **1:26:55**
